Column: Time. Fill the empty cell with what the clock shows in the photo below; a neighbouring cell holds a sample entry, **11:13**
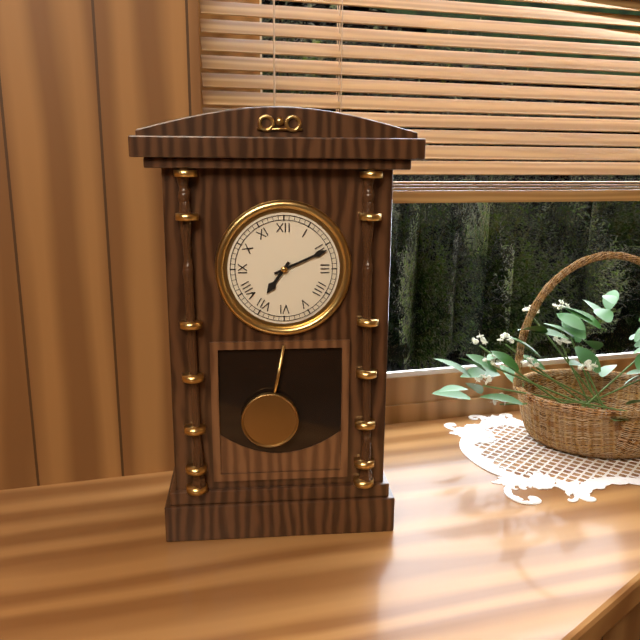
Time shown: **7:11**
